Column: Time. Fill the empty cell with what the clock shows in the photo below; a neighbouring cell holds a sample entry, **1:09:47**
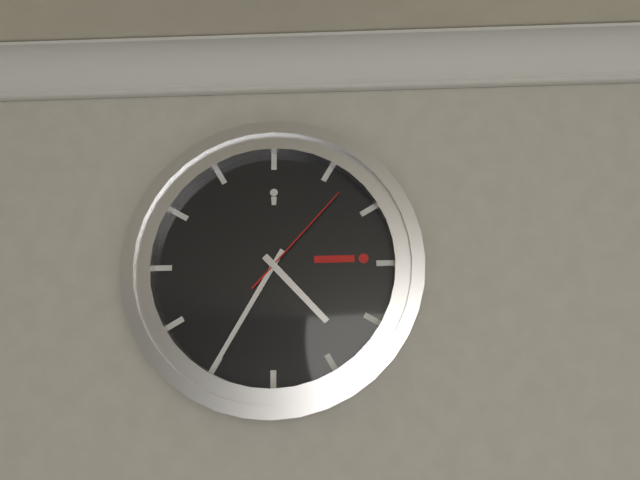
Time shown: **4:35:07**
